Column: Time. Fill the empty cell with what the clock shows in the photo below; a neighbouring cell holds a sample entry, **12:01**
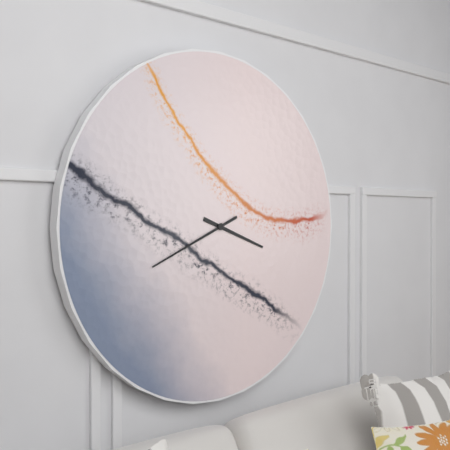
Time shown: **3:41**
